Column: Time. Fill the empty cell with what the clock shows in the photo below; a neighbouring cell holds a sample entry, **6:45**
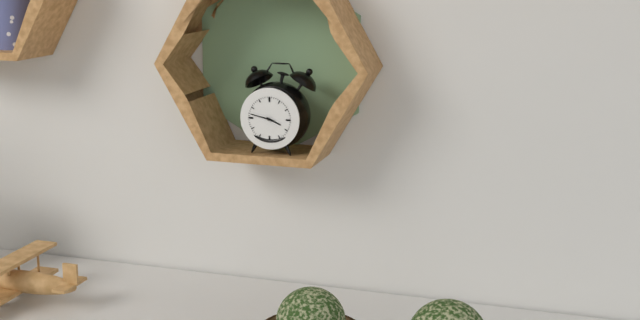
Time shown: **3:47**
